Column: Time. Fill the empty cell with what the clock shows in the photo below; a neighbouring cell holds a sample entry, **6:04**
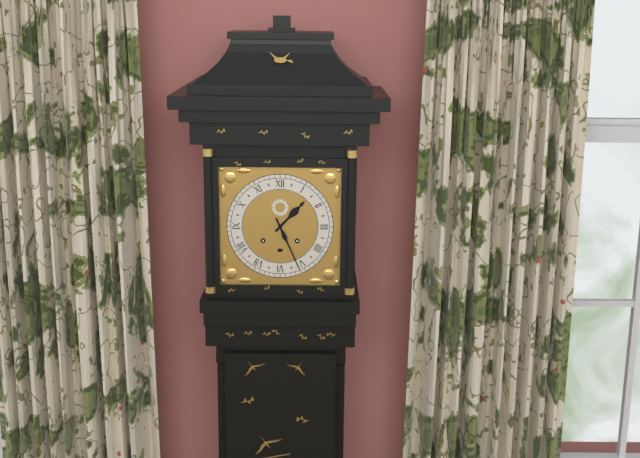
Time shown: **1:26**
